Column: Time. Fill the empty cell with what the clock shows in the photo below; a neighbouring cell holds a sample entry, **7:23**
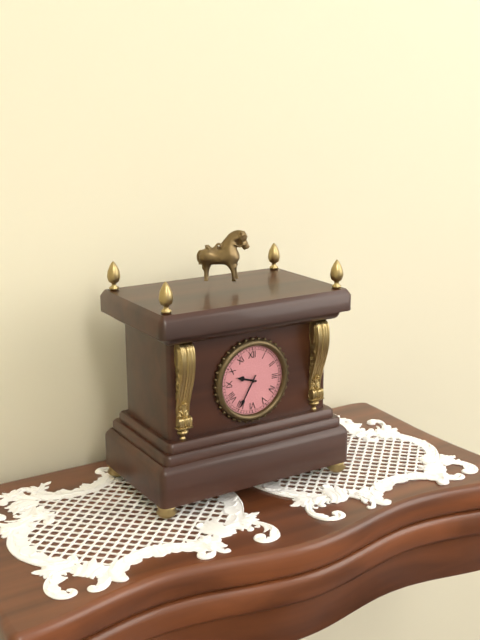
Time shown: **9:35**
